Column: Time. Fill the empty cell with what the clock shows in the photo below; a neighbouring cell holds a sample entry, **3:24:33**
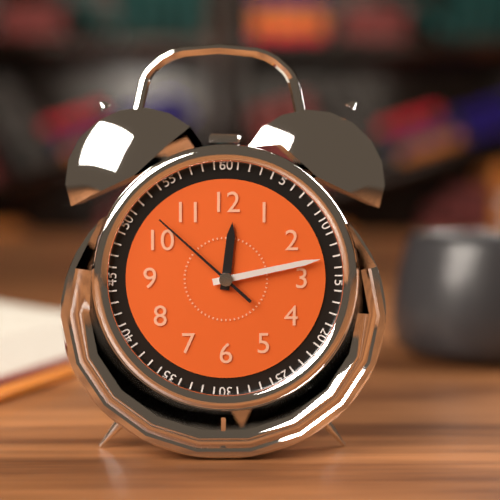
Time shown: **12:13:52**
